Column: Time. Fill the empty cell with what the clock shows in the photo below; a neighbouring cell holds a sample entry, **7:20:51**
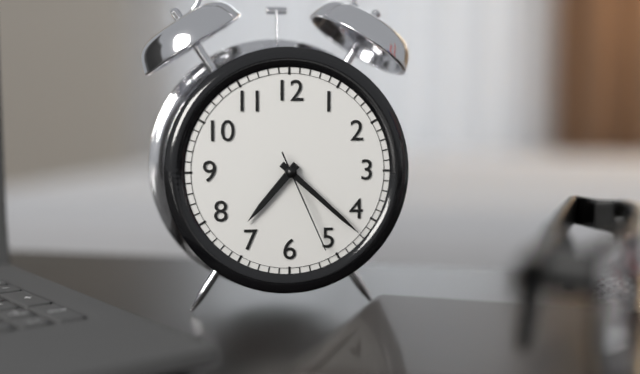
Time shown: **7:22:26**
